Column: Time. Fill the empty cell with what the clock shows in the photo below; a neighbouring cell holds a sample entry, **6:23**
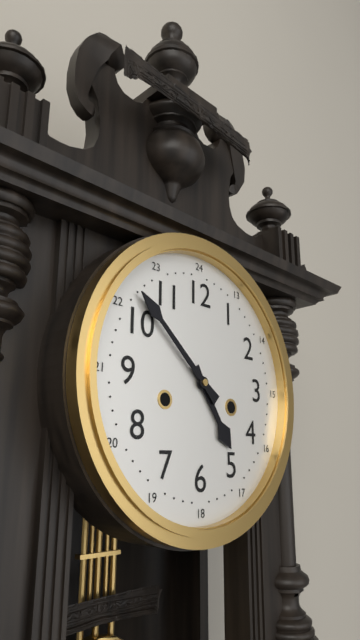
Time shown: **4:52**
